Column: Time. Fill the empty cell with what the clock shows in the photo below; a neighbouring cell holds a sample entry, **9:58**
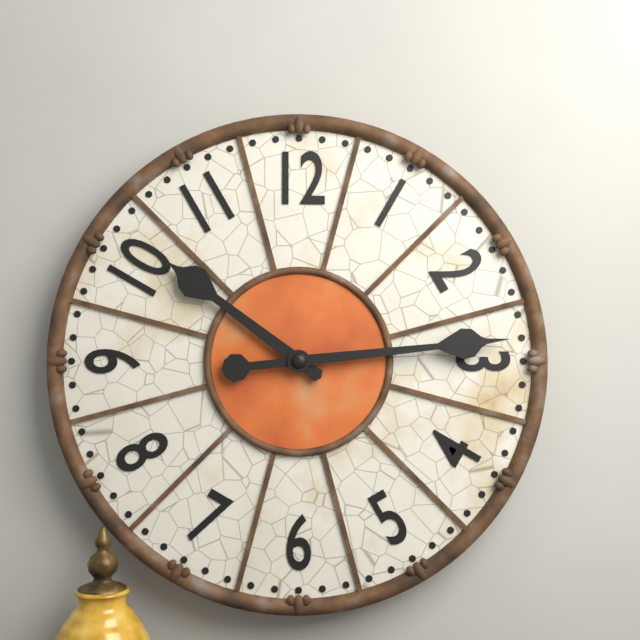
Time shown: **10:14**
